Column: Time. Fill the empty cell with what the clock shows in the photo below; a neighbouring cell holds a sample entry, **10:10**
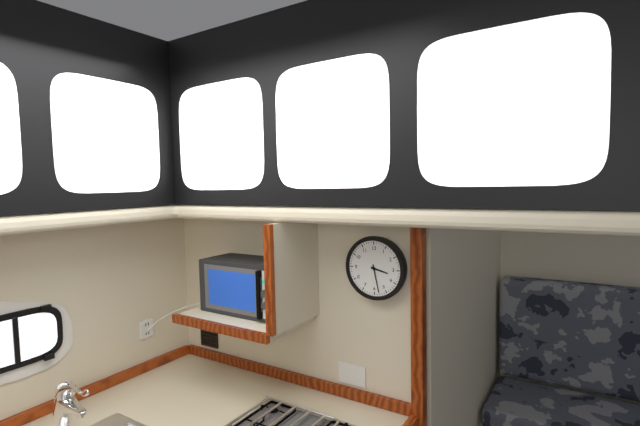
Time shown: **3:28**
